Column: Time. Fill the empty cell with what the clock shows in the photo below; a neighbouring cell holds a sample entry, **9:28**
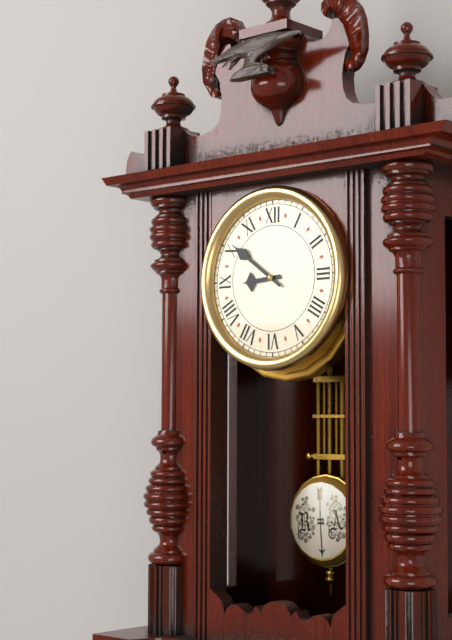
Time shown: **8:51**
